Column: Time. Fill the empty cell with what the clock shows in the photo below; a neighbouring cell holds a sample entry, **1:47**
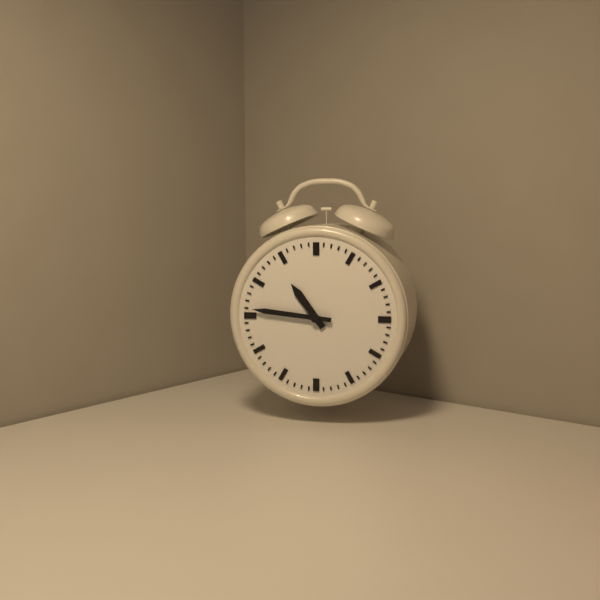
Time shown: **10:46**
